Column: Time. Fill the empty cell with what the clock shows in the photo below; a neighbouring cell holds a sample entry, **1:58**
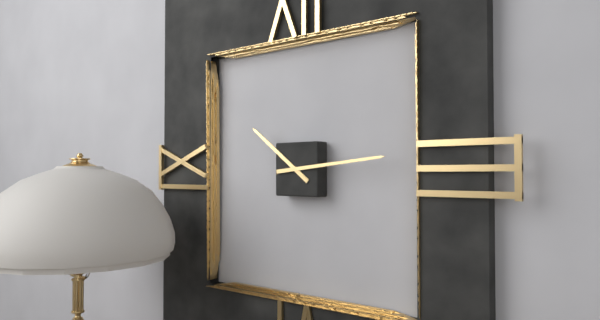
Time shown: **10:14**
